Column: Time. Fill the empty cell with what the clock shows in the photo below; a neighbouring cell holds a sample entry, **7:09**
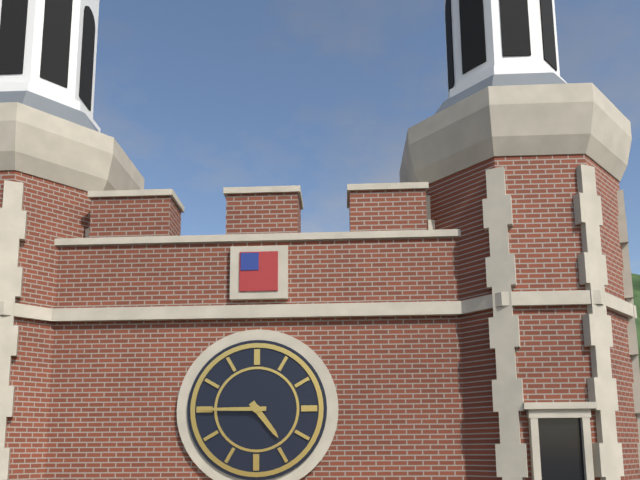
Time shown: **4:45**
